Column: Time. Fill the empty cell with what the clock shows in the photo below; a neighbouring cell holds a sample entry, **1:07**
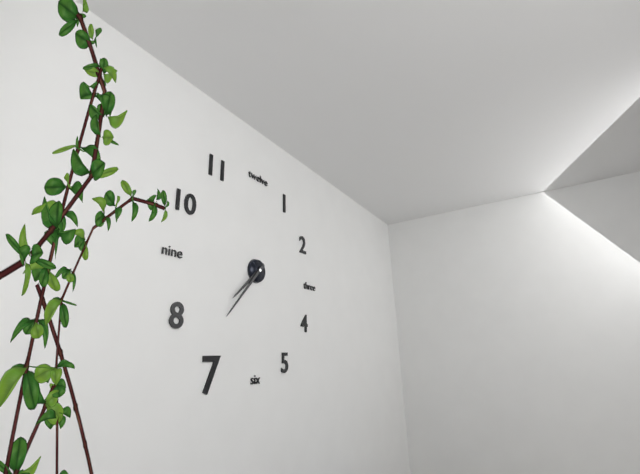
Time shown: **7:37**
